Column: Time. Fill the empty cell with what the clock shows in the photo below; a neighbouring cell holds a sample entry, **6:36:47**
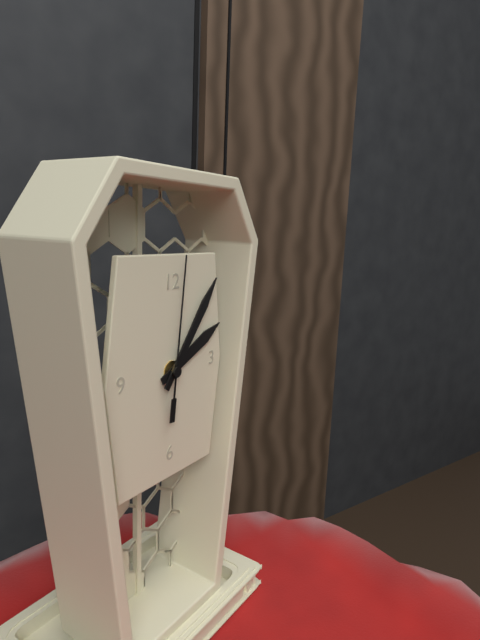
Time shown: **2:06:01**
